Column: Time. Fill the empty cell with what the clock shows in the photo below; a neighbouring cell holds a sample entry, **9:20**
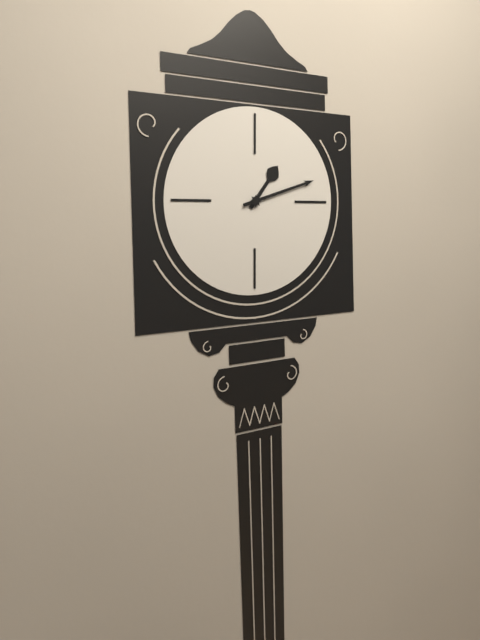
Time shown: **1:12**
